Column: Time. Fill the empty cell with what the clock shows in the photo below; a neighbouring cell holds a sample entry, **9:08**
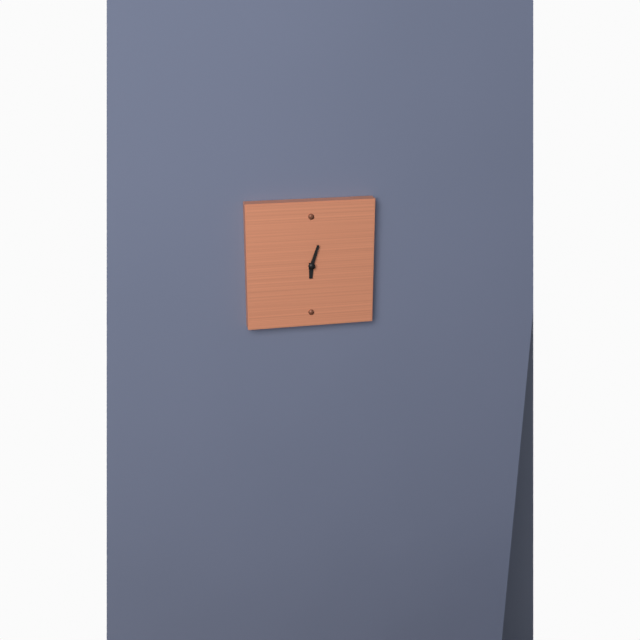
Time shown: **6:03**
